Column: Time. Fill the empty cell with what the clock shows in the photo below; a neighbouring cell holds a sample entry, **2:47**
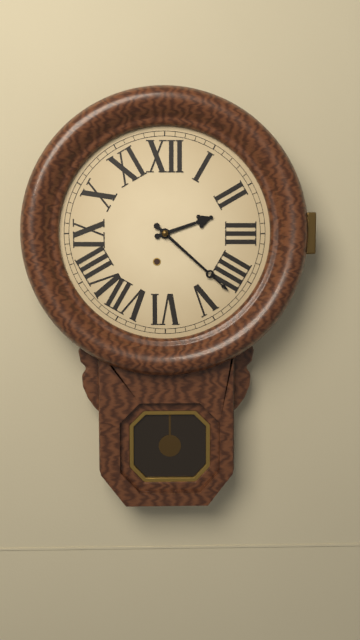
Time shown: **2:22**
